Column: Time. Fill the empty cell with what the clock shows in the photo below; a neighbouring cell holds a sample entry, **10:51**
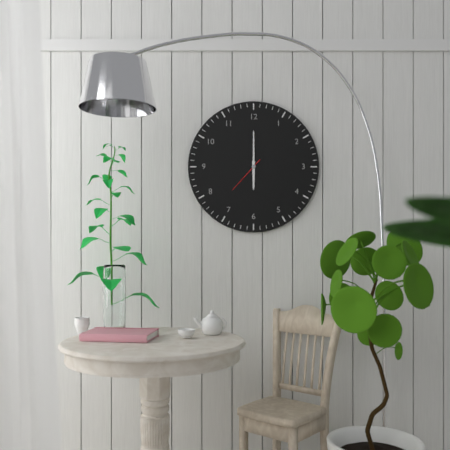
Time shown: **6:00**
